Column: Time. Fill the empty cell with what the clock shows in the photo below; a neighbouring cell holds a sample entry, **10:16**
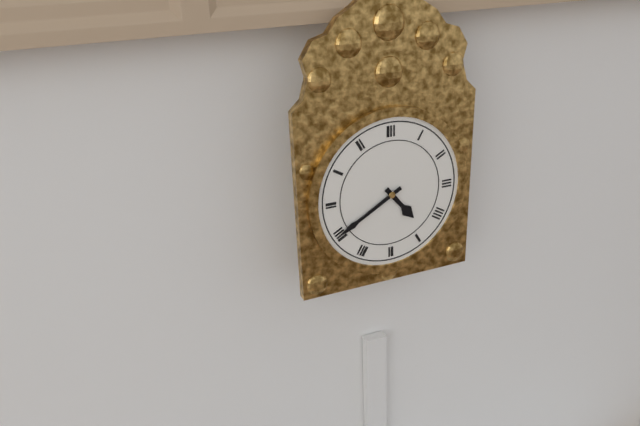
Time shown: **4:40**
